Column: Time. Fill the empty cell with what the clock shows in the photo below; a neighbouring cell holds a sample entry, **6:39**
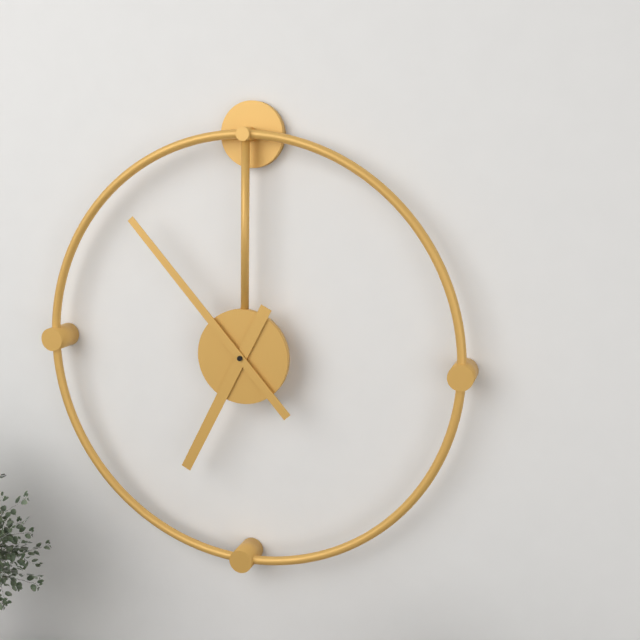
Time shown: **6:53**
